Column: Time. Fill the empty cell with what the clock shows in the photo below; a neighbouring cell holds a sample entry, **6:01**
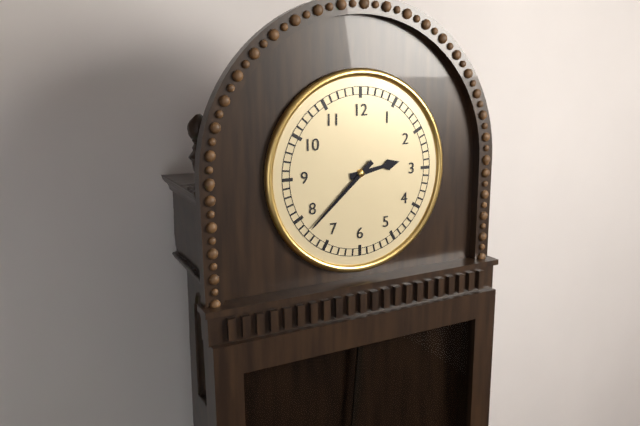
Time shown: **2:38**
